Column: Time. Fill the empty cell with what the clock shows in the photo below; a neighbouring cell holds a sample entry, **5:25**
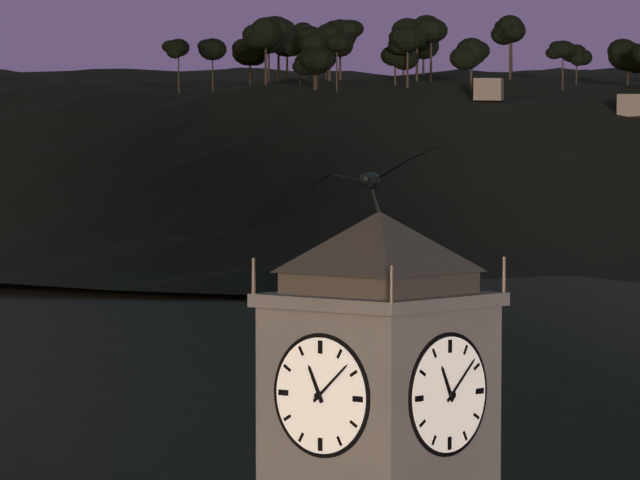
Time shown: **11:08**
